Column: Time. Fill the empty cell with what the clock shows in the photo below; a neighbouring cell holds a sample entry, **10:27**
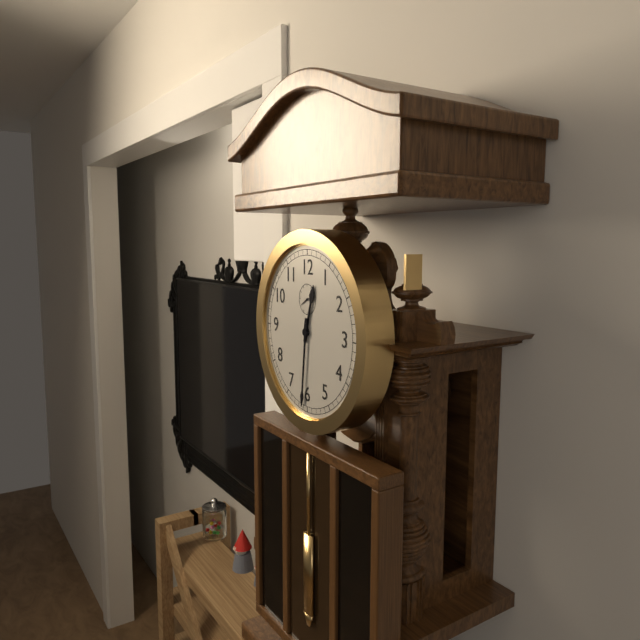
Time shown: **12:31**
